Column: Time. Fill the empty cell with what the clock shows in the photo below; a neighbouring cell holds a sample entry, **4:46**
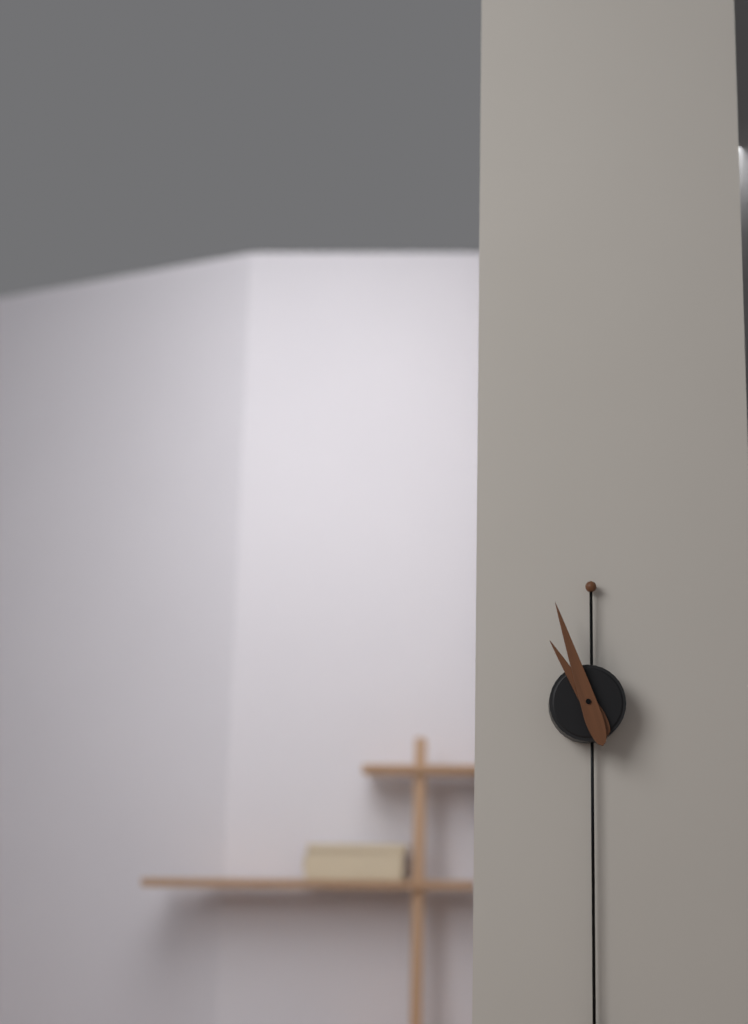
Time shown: **10:57**
